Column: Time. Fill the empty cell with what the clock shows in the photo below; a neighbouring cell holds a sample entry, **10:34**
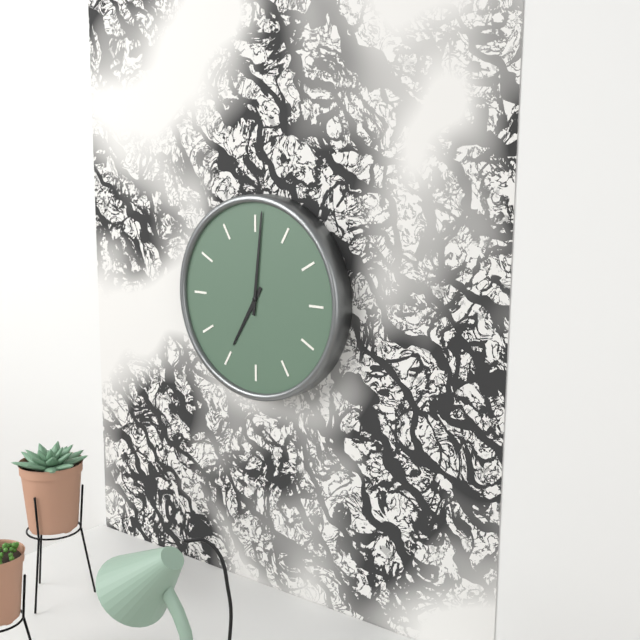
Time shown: **7:01**
